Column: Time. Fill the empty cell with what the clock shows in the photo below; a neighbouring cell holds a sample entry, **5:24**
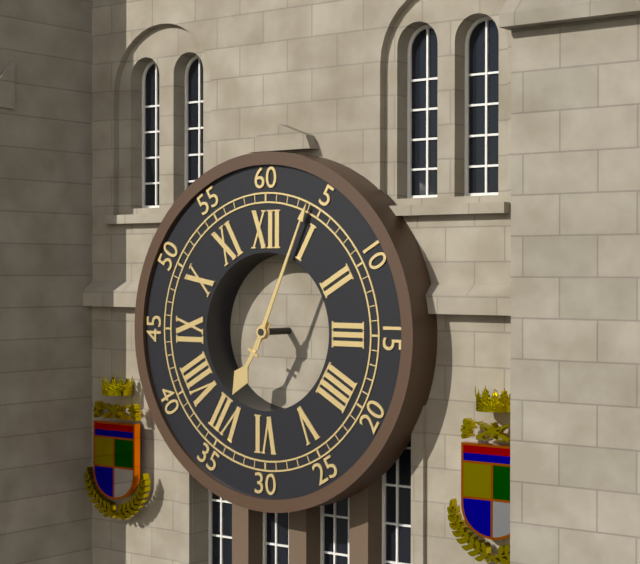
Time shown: **7:04**
